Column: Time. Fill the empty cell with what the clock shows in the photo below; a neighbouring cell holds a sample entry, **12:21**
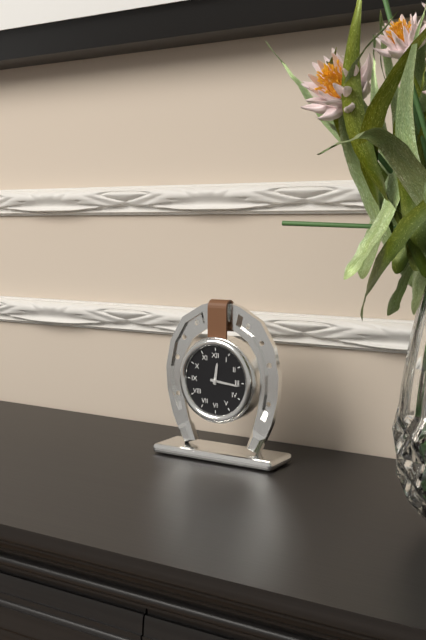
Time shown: **12:16**
